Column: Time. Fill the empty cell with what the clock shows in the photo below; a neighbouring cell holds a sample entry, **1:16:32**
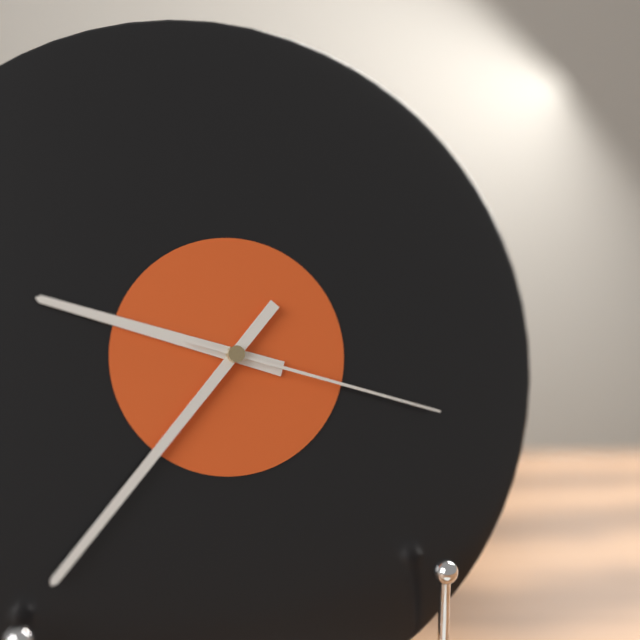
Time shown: **9:37:18**
